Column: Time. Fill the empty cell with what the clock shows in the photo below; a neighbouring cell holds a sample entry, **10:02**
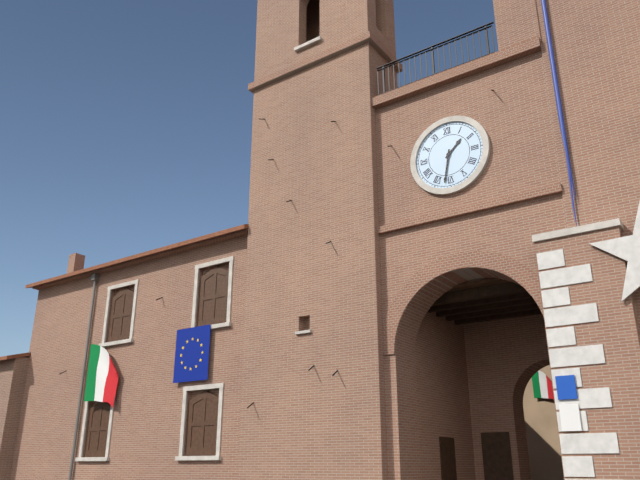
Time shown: **1:32**
